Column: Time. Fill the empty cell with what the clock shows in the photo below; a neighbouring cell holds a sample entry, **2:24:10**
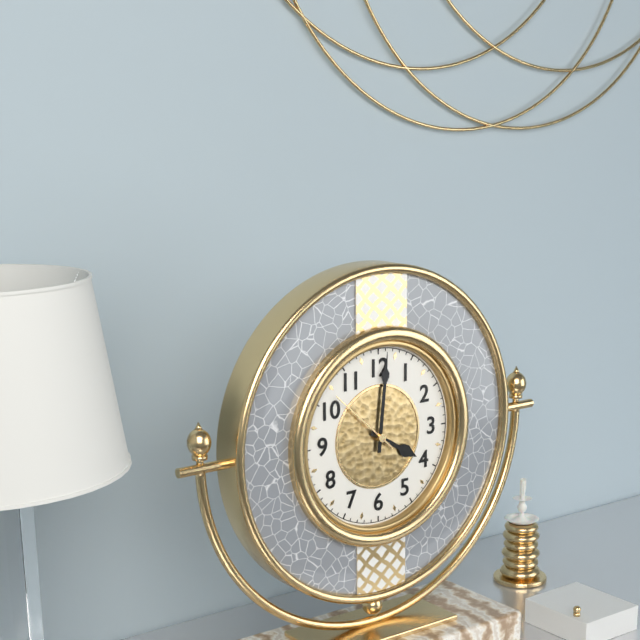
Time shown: **4:01:52**
